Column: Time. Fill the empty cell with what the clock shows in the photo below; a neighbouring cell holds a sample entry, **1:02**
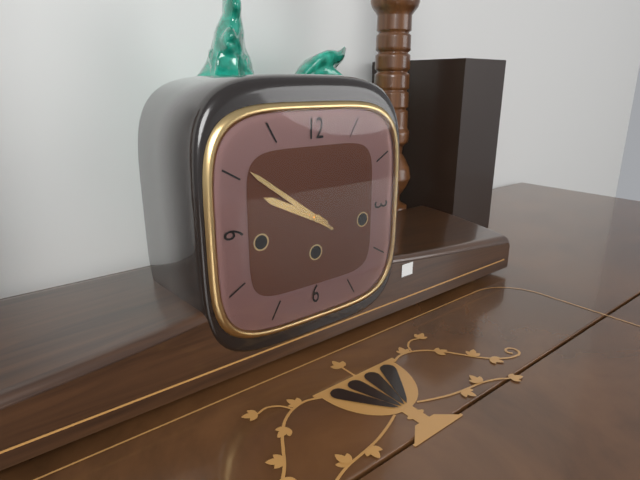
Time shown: **9:51**
